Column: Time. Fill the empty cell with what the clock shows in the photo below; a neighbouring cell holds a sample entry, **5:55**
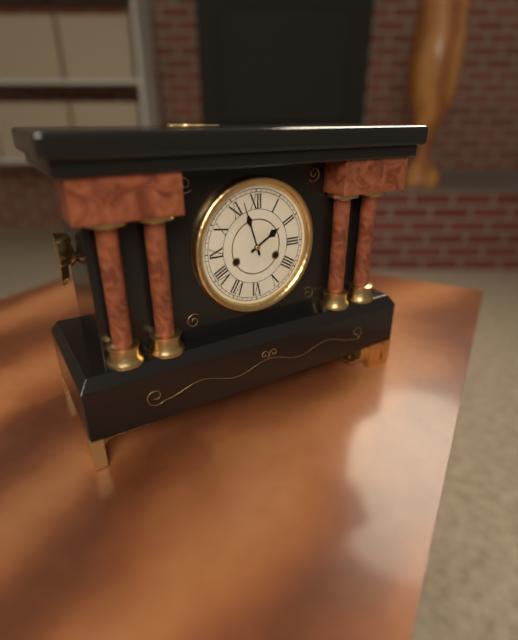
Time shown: **1:57**
